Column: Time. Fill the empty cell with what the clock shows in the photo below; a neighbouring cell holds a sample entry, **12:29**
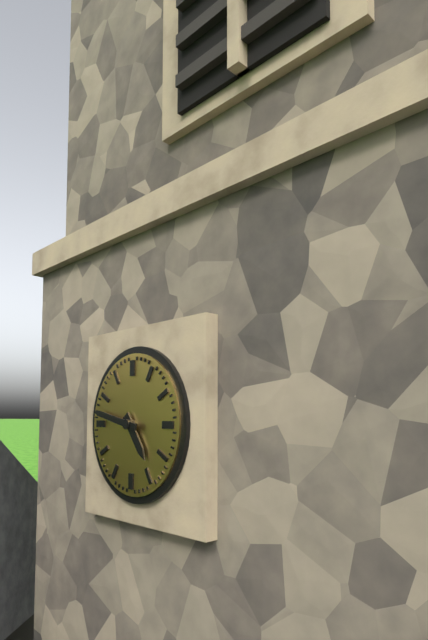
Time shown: **4:47**
